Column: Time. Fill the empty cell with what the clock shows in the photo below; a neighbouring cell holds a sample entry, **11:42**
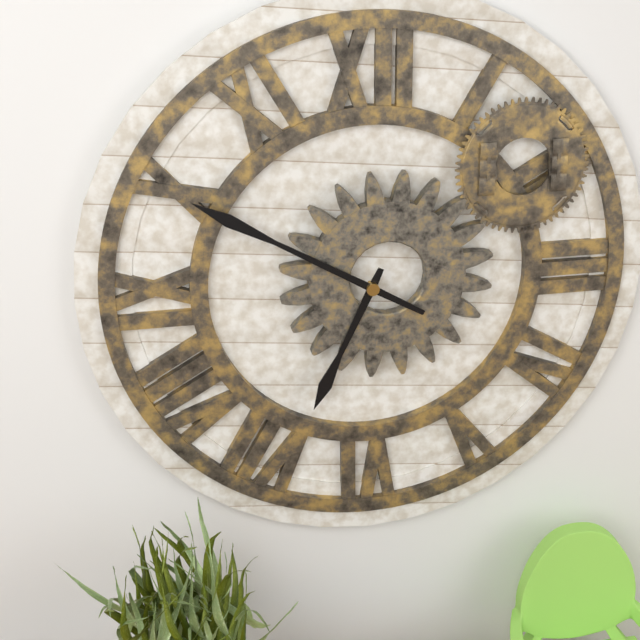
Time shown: **6:50**
